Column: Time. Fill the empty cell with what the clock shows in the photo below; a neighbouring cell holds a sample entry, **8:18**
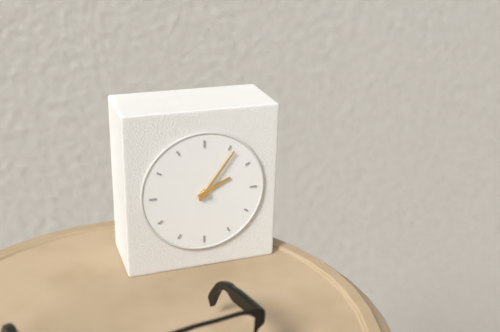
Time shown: **2:06**
